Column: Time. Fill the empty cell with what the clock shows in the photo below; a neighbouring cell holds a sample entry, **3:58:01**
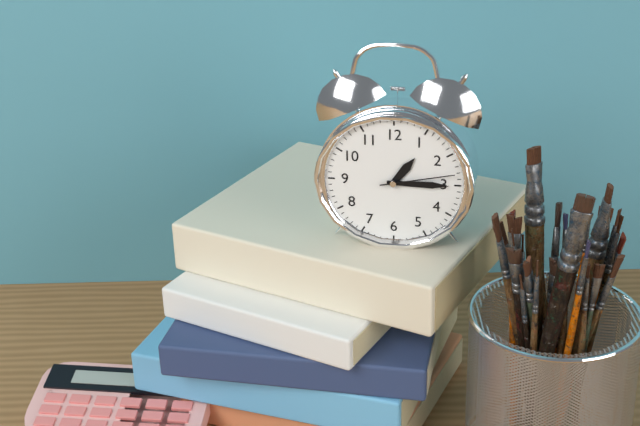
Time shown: **1:15:13**
